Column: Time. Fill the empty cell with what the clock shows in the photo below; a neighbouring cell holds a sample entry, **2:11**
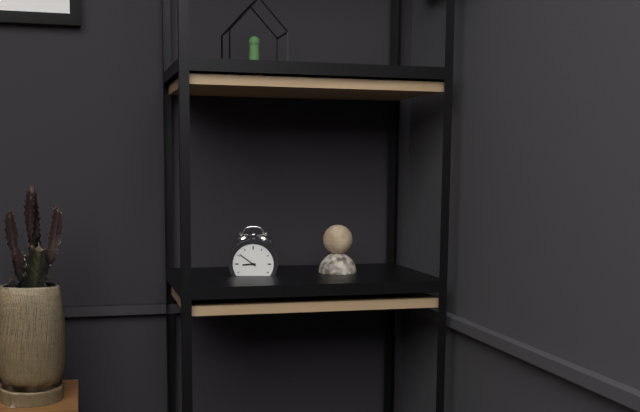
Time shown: **8:51**
